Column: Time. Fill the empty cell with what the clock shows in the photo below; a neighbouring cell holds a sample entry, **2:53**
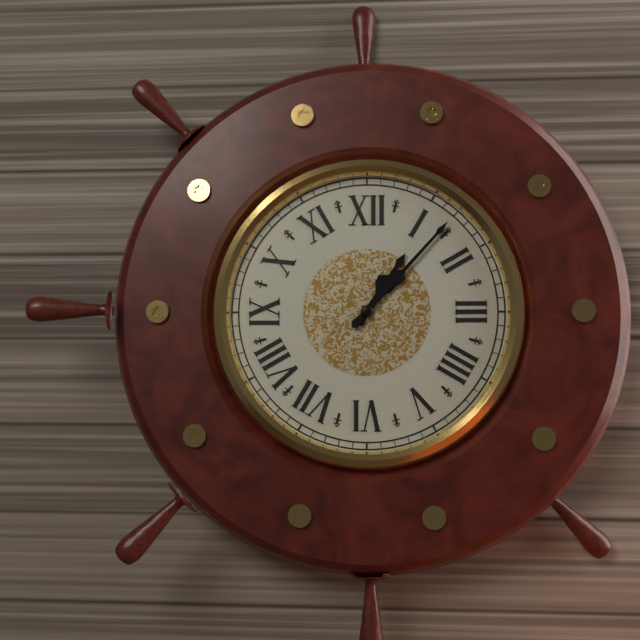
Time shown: **1:07**
